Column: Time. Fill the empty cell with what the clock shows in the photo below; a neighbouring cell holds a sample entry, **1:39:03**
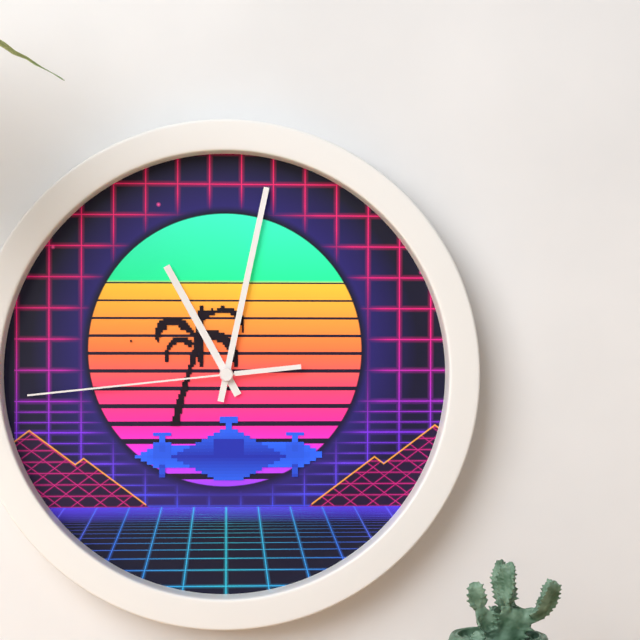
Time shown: **11:02:44**
